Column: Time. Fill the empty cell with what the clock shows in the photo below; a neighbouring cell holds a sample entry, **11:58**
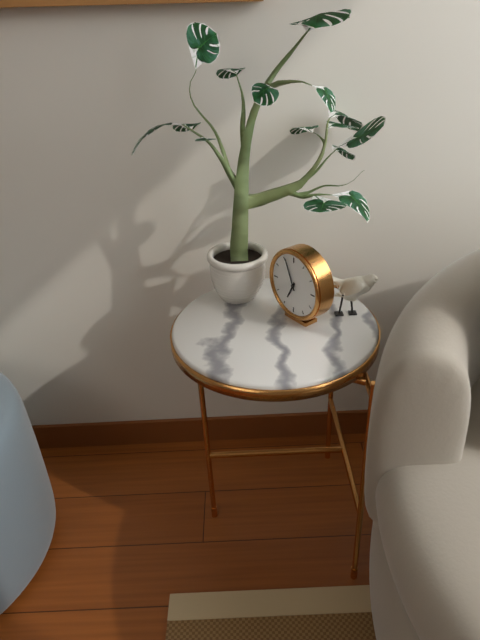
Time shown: **6:56**
